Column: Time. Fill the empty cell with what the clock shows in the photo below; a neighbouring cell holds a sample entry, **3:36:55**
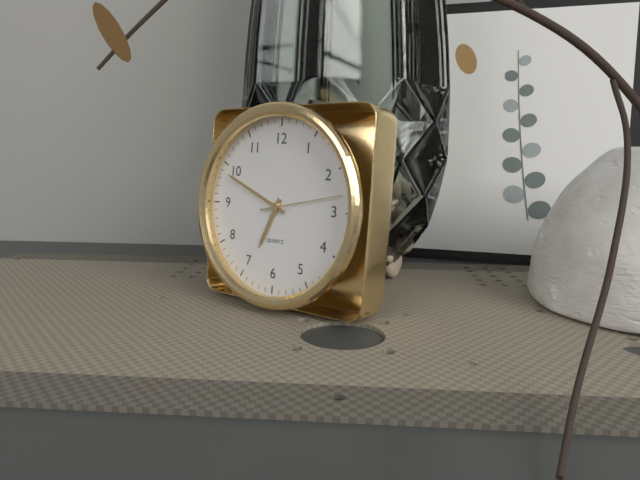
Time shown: **6:49:13**
